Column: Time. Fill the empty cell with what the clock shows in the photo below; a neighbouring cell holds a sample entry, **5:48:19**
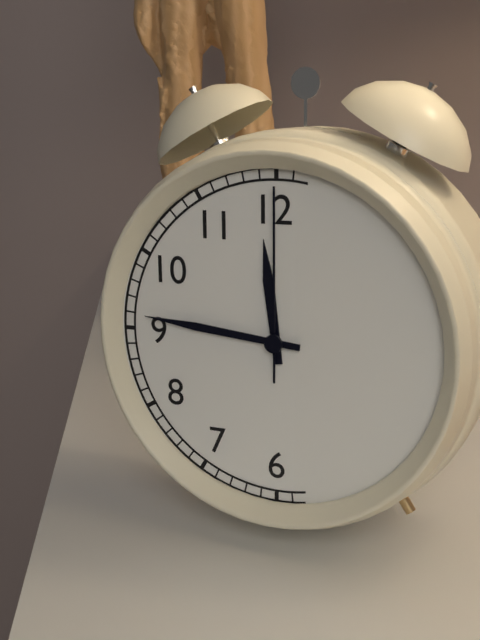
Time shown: **11:46:00**
